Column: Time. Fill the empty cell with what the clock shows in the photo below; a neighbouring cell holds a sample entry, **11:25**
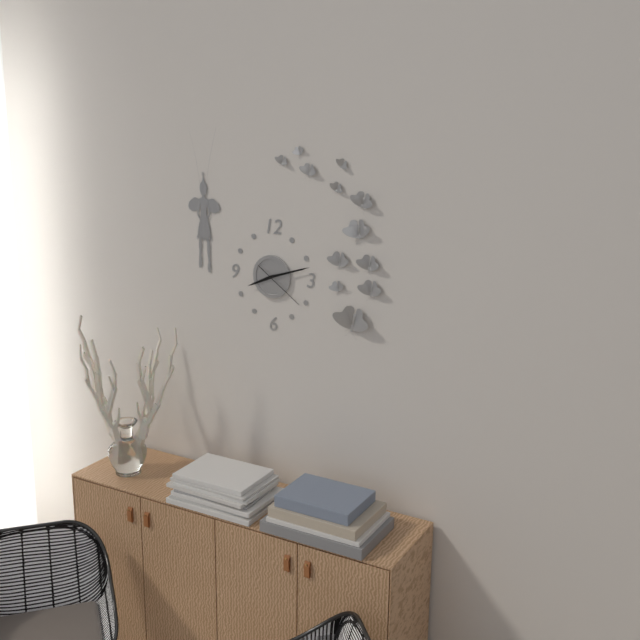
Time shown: **8:12**
